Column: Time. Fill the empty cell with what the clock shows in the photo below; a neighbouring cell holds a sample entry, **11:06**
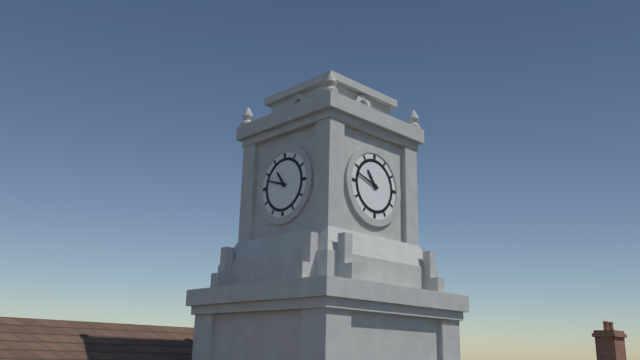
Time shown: **10:48**
